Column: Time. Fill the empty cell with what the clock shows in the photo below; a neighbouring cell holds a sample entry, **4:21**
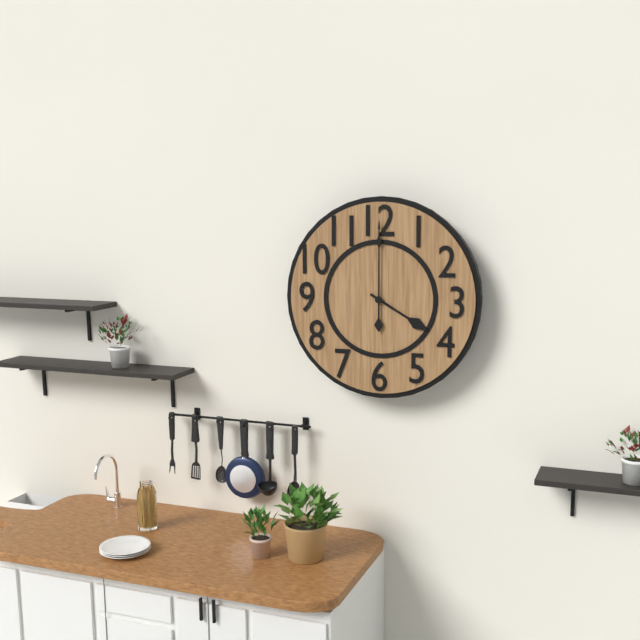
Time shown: **4:00**
